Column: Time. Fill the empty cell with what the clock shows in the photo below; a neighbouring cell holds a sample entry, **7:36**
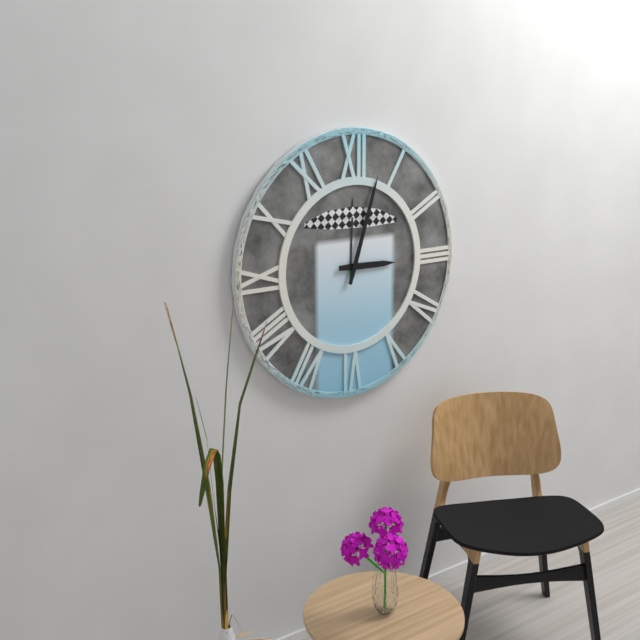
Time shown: **3:03**
